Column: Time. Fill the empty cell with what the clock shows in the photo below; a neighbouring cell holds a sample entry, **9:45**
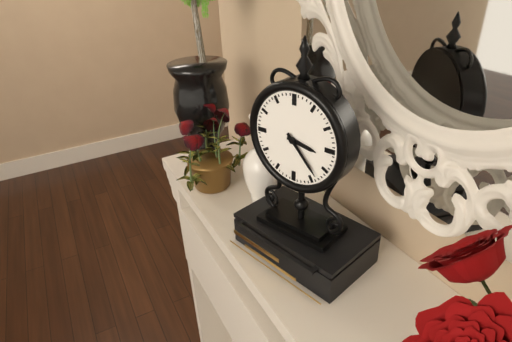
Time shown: **3:23**
